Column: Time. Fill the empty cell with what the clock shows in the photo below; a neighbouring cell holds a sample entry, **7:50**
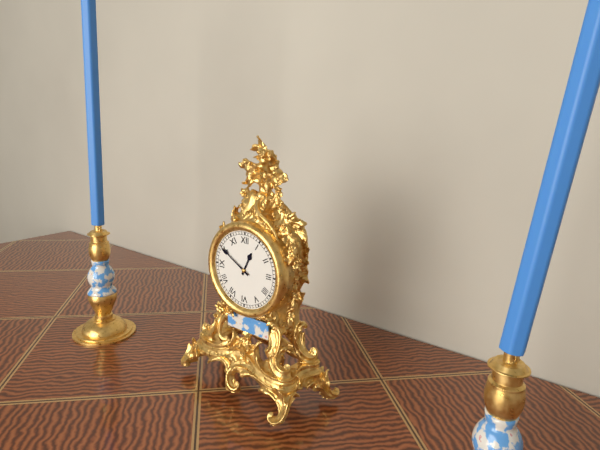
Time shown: **12:50**
